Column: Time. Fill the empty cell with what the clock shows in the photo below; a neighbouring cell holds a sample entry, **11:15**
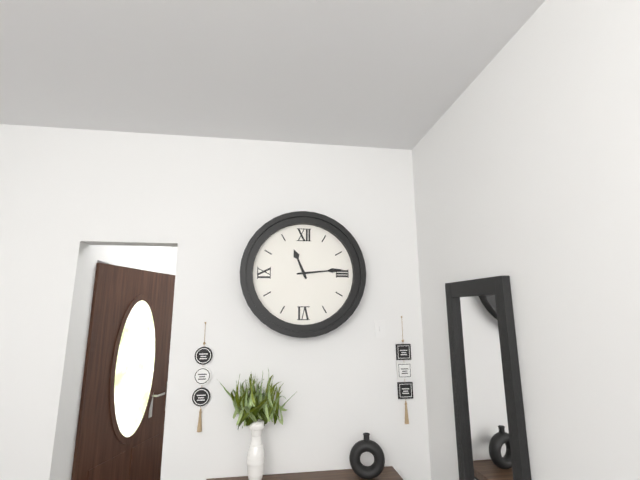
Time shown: **11:14**
